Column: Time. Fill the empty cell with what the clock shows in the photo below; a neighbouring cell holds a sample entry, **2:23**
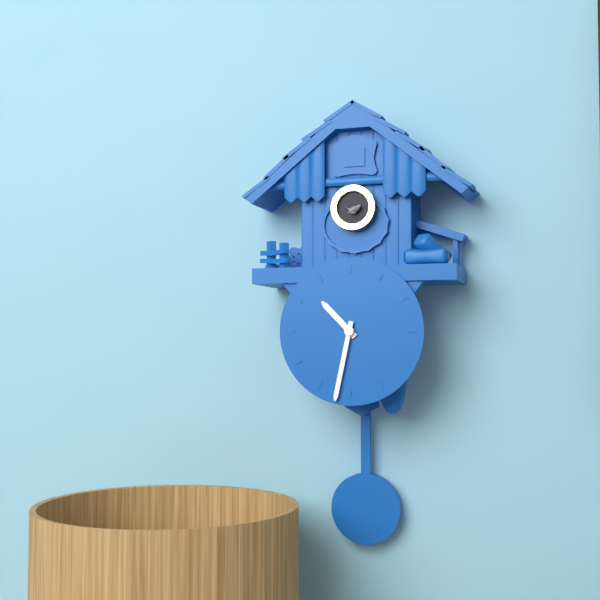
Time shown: **10:32**
